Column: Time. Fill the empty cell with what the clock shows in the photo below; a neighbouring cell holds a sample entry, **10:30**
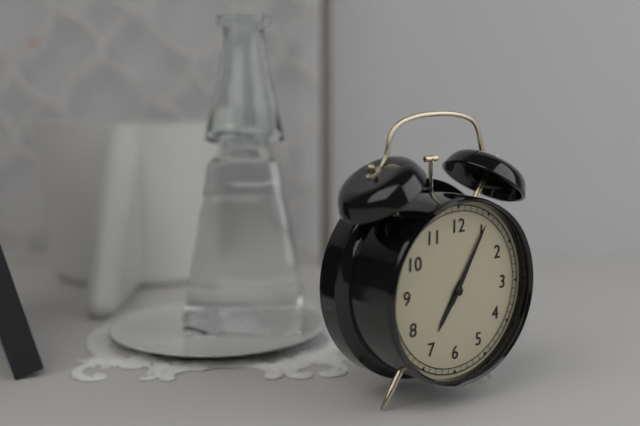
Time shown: **7:05**
